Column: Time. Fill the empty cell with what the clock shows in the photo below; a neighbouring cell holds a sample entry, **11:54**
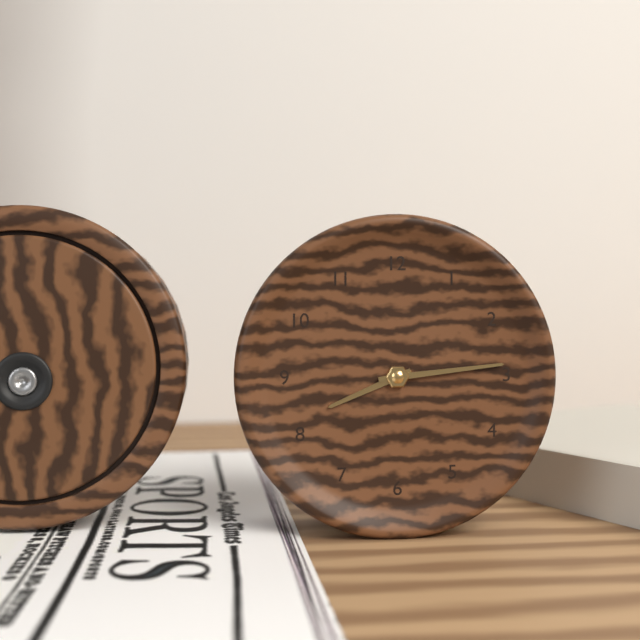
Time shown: **8:14**
